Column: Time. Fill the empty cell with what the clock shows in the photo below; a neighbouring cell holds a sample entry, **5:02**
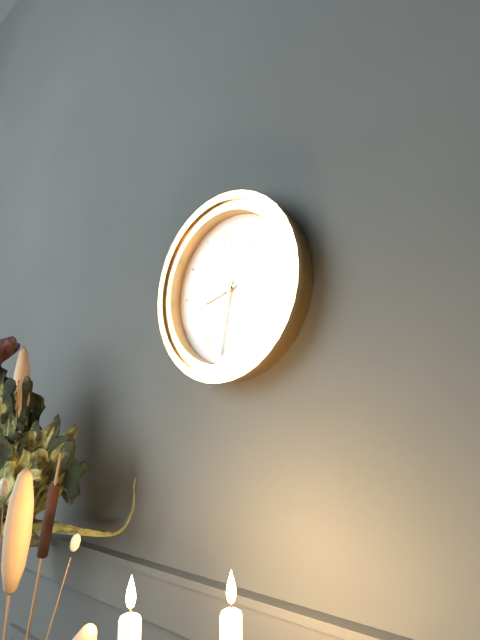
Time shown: **8:32**
